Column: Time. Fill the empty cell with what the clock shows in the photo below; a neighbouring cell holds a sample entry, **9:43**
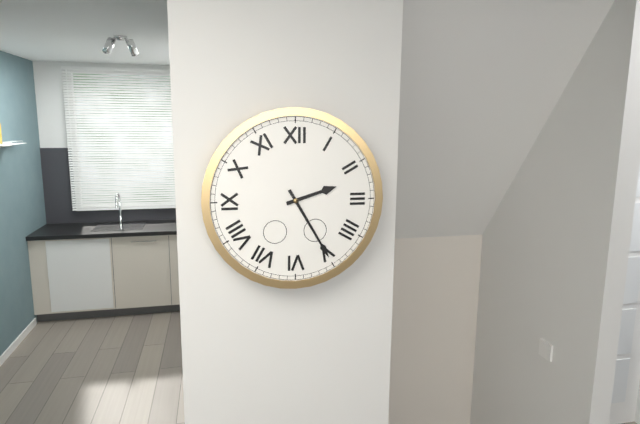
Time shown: **2:25**
